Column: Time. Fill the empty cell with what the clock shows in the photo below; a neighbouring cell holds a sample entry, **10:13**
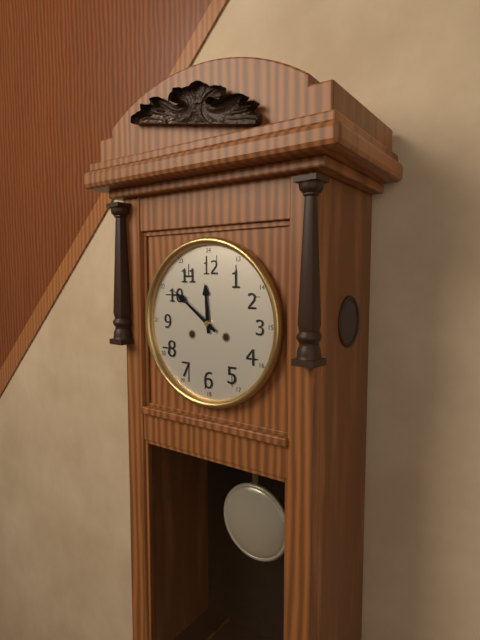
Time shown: **11:51**
